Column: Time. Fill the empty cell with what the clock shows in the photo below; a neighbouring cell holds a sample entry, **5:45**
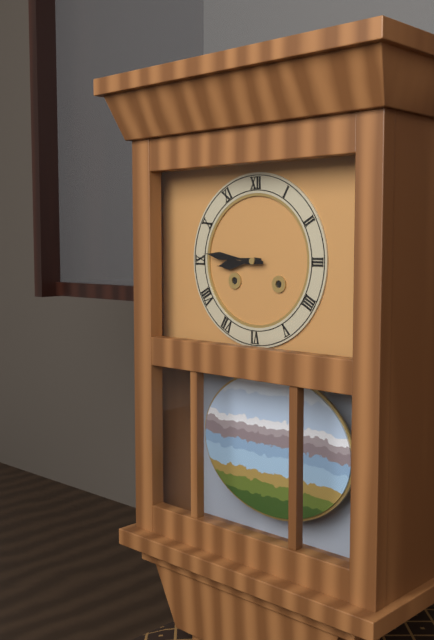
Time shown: **8:46**
